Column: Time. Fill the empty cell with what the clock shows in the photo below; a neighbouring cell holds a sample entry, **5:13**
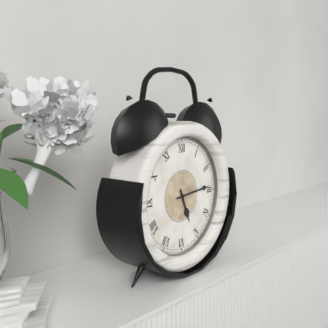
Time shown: **5:14**
